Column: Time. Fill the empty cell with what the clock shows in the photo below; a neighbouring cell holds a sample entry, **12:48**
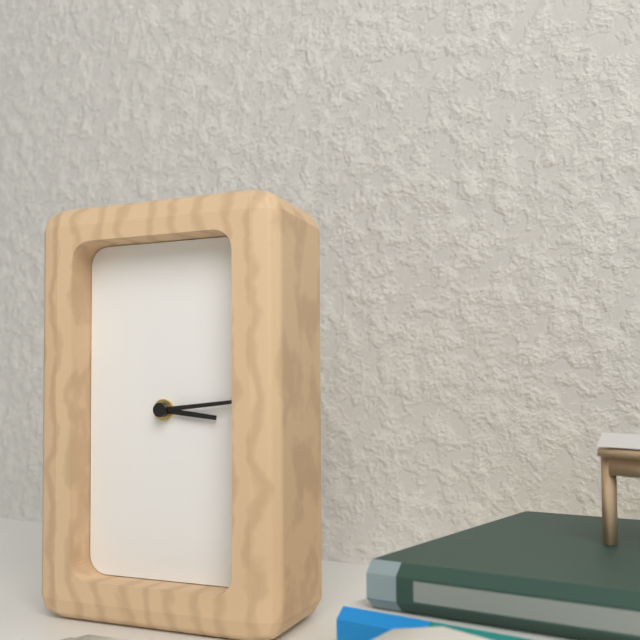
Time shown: **3:14**
